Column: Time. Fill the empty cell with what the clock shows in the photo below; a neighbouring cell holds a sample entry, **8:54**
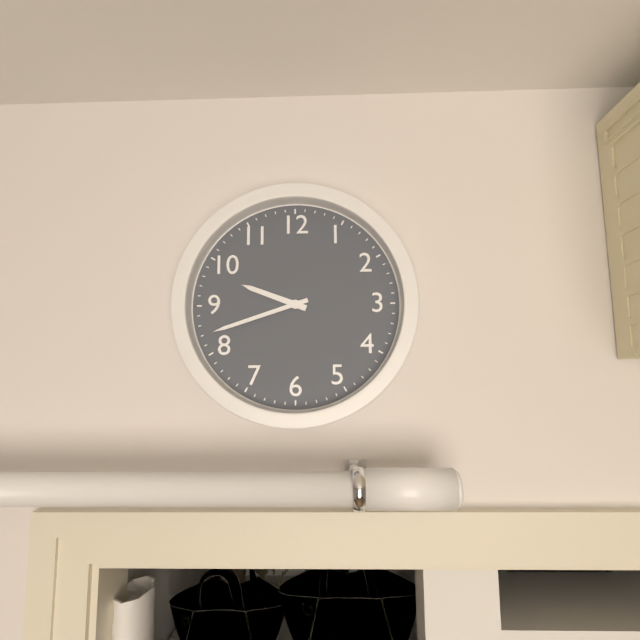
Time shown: **9:42**
